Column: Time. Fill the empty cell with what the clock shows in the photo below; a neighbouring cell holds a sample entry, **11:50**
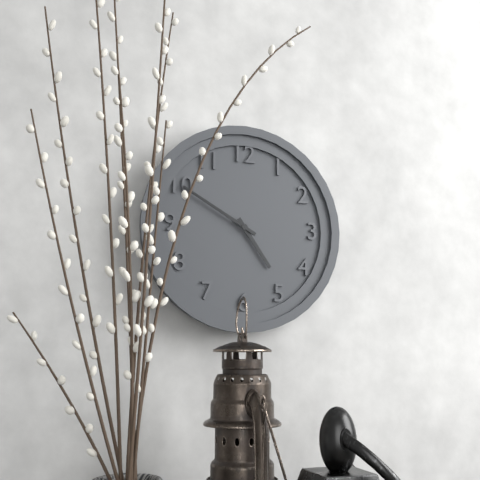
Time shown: **4:50**
